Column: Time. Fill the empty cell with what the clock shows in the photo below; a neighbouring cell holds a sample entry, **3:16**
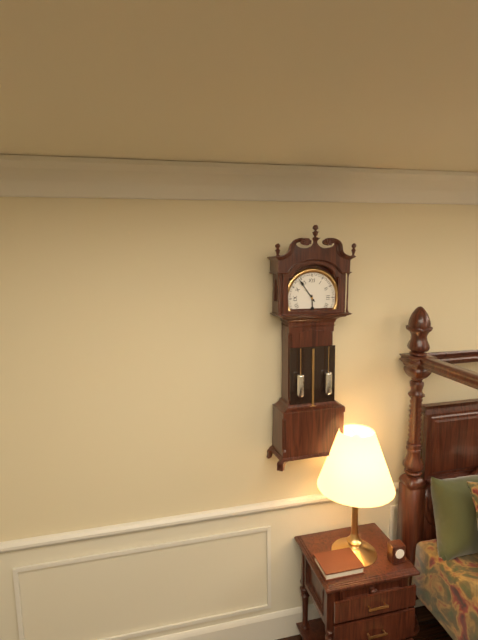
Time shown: **5:54**
